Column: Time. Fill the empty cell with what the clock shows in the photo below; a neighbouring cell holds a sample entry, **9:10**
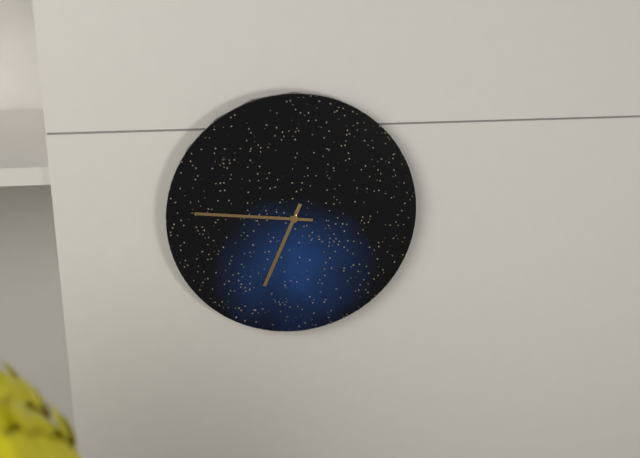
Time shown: **6:46**
